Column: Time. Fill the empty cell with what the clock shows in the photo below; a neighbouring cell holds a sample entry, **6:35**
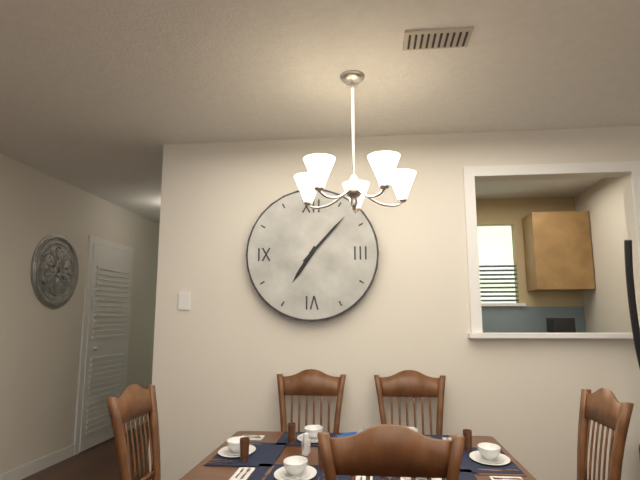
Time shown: **7:07**
